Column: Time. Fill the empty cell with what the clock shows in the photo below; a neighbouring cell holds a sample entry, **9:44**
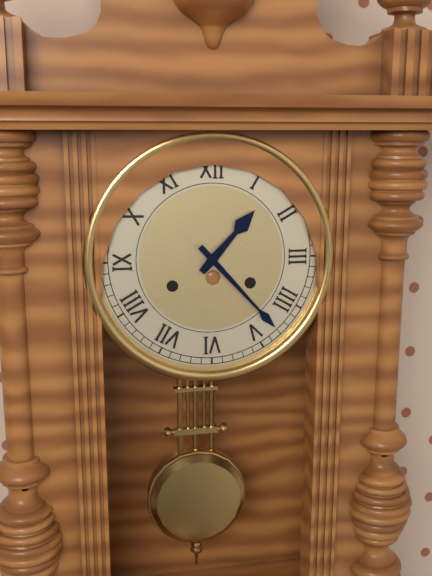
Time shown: **1:23**
